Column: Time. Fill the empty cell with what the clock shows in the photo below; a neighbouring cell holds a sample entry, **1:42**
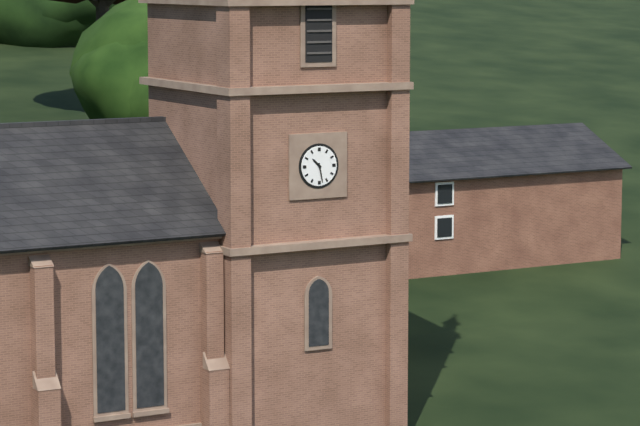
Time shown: **10:28**
